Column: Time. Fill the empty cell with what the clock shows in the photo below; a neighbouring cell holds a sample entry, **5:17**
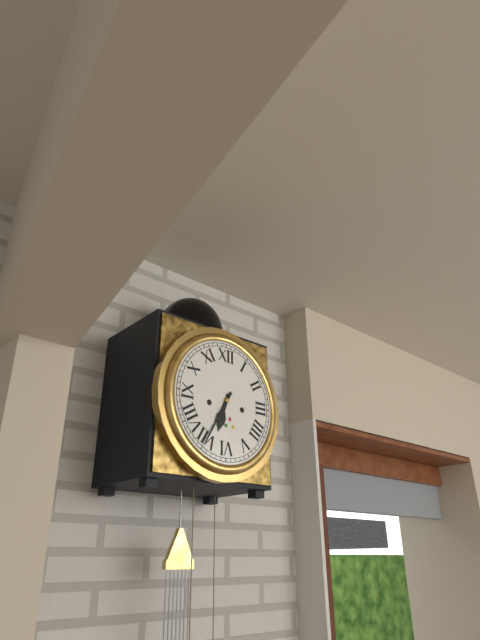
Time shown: **6:35**
